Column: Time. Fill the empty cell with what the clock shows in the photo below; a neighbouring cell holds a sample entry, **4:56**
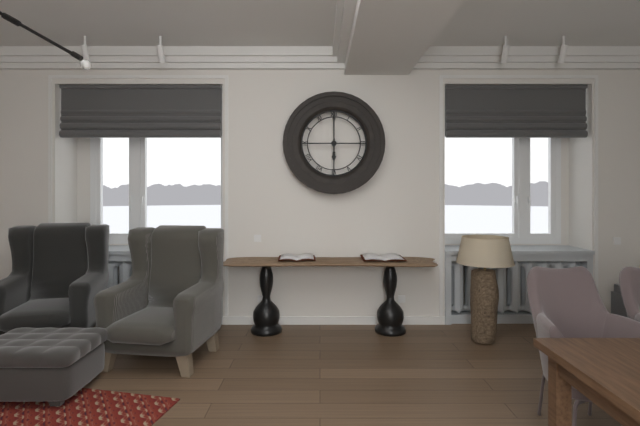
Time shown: **6:00**
